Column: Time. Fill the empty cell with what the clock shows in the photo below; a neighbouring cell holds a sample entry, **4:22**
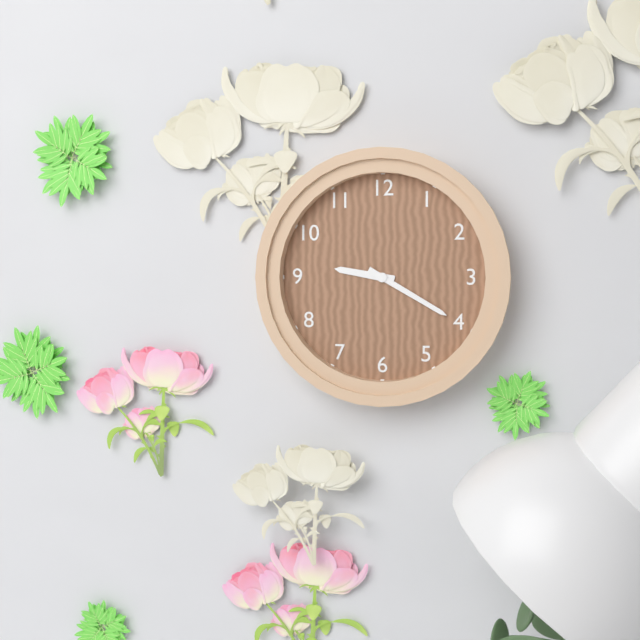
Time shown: **9:20**
